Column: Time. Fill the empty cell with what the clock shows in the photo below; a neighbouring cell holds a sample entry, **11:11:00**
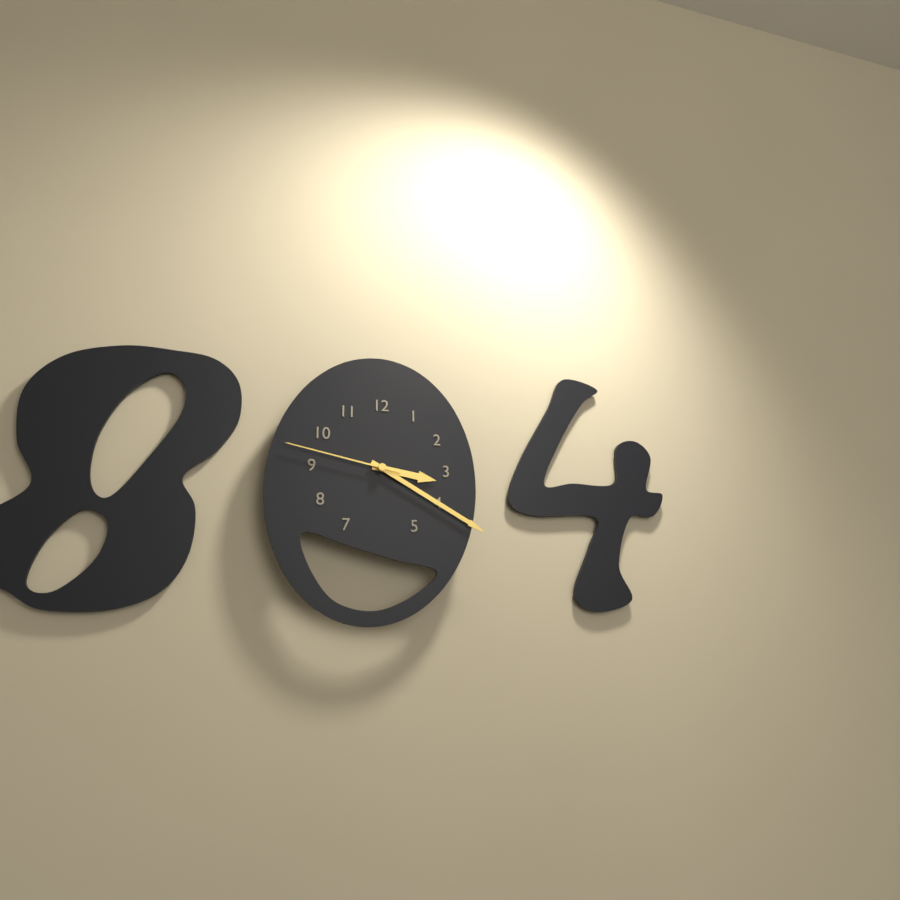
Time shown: **3:20:47**
